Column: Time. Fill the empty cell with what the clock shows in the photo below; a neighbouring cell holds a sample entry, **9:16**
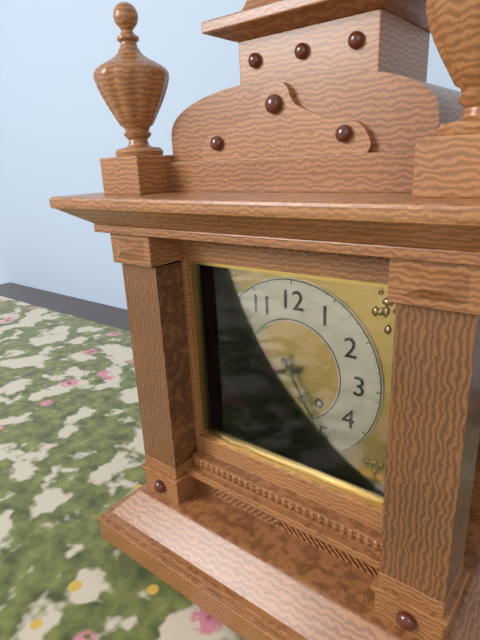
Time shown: **8:25**
